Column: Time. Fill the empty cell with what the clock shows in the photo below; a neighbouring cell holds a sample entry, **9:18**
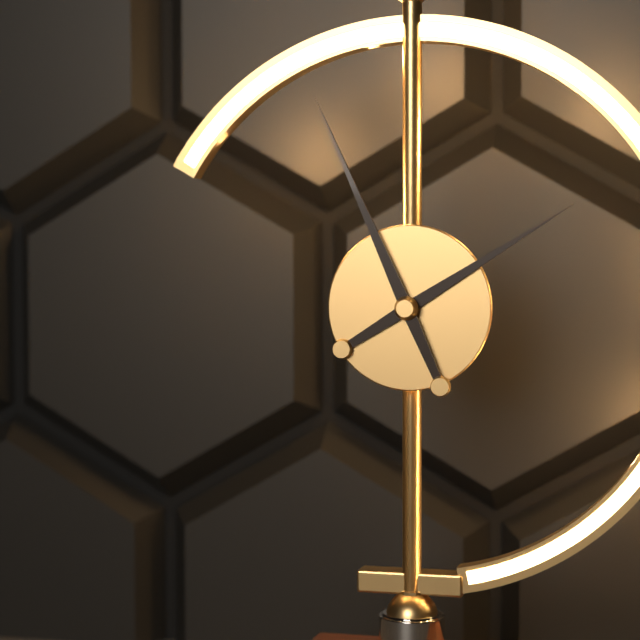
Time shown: **1:56**
